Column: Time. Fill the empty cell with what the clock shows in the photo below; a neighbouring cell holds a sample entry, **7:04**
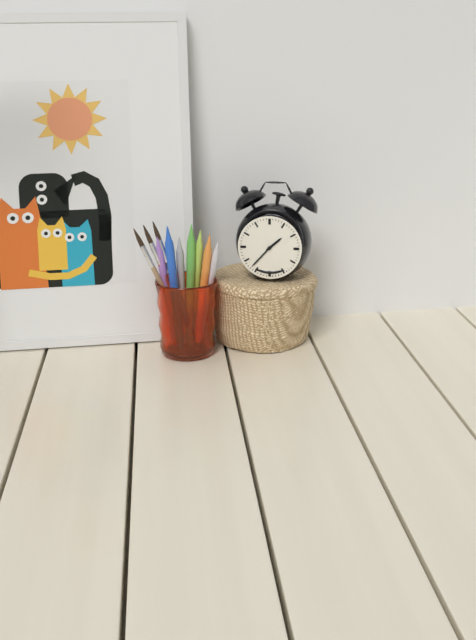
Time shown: **1:37**
